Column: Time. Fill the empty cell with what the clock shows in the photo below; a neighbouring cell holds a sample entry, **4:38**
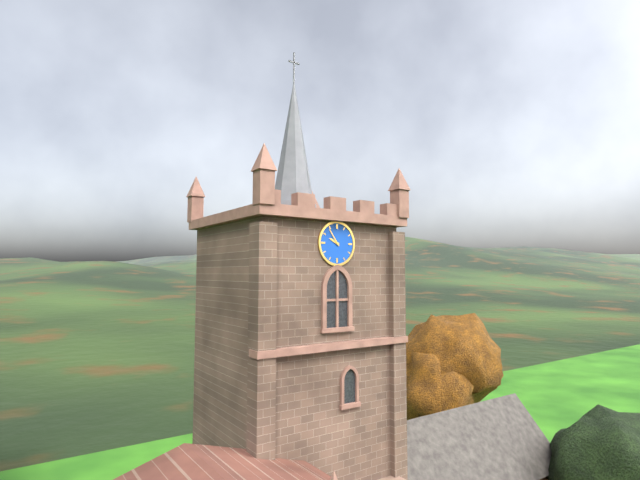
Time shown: **9:54**
